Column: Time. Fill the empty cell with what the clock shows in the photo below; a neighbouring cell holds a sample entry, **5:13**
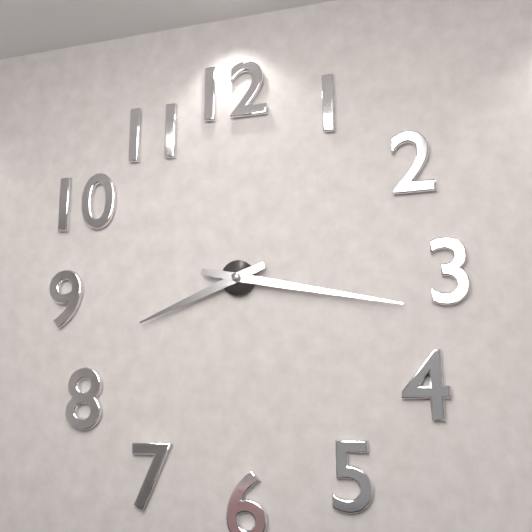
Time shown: **8:17**
